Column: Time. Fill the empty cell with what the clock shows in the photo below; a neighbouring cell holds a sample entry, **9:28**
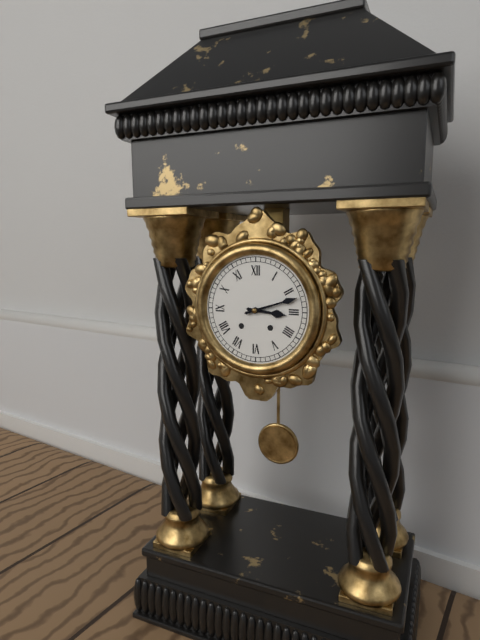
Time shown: **3:12**
